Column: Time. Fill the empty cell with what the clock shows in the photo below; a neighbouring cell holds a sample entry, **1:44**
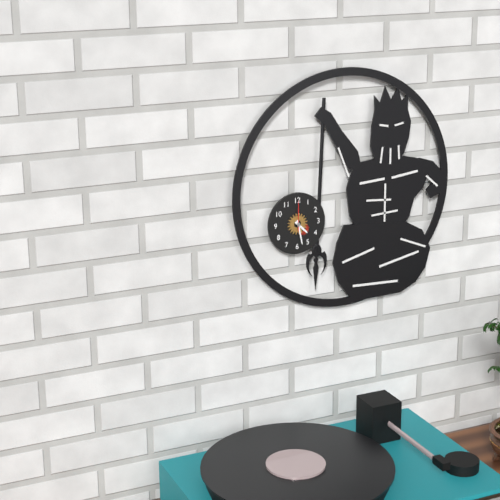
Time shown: **4:28**
